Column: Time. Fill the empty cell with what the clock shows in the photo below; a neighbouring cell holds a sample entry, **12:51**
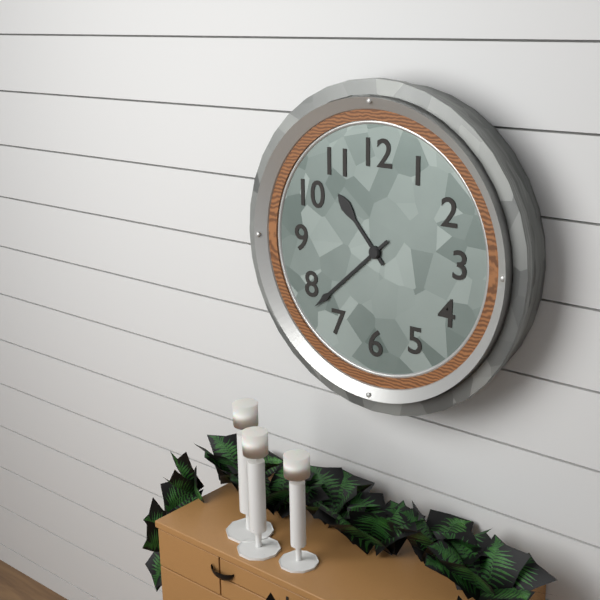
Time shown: **10:38**
